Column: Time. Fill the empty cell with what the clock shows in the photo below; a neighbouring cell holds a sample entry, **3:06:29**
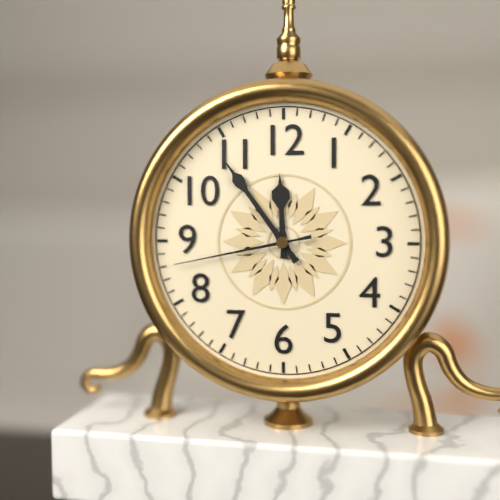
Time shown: **11:54:43**
